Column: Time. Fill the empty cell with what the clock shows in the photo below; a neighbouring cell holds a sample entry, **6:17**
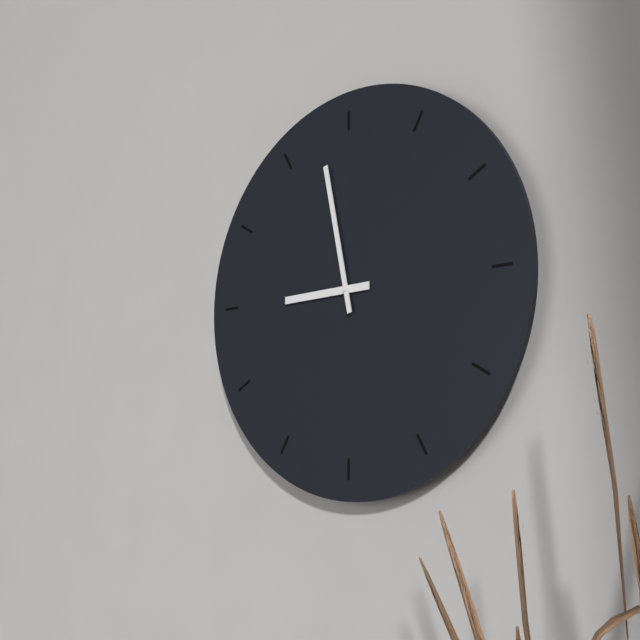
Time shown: **8:58**
